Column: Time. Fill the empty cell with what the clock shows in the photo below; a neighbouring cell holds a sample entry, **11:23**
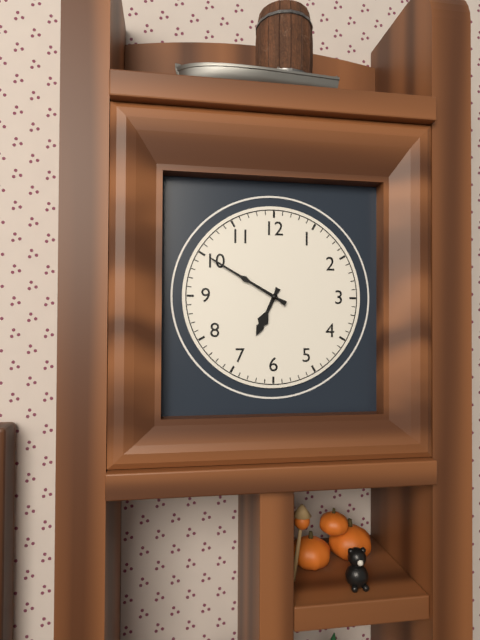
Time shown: **6:50**
